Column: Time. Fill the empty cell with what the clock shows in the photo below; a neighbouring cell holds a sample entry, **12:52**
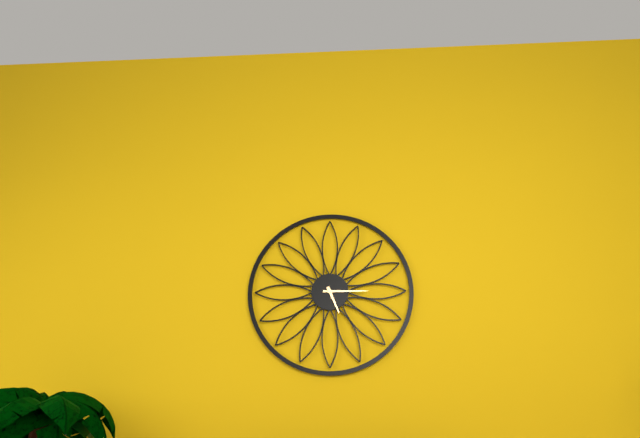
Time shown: **5:15**
